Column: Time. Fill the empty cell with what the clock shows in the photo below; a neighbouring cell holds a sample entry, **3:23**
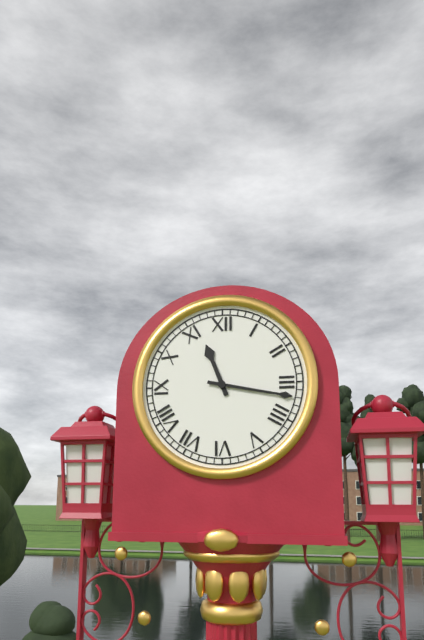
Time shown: **11:17**
